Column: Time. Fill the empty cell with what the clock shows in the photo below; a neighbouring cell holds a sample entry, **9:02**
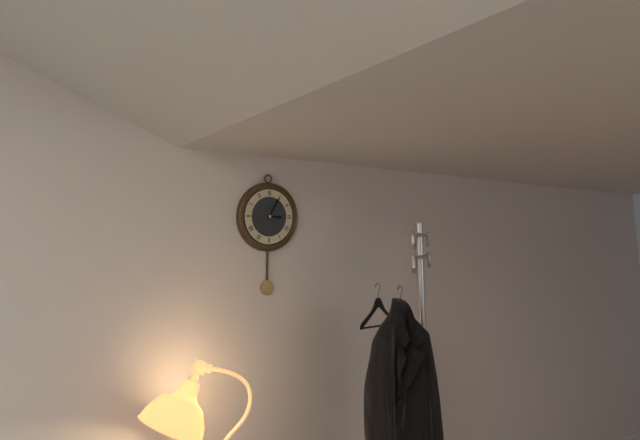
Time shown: **3:05**
